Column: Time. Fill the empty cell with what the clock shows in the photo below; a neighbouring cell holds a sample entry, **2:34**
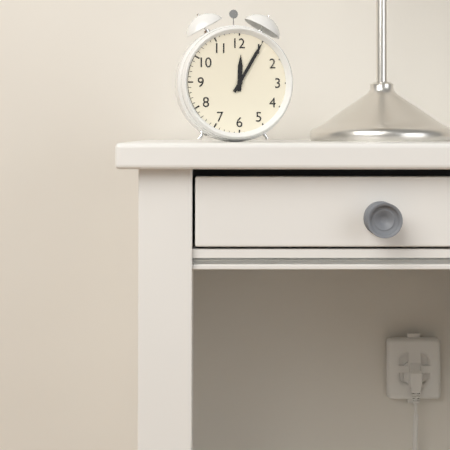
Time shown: **12:05**
